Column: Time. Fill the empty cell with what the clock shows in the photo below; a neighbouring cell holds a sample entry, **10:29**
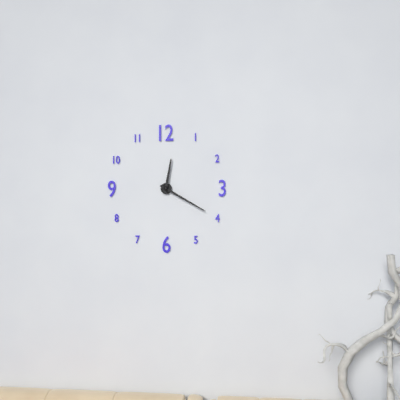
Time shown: **12:20**
